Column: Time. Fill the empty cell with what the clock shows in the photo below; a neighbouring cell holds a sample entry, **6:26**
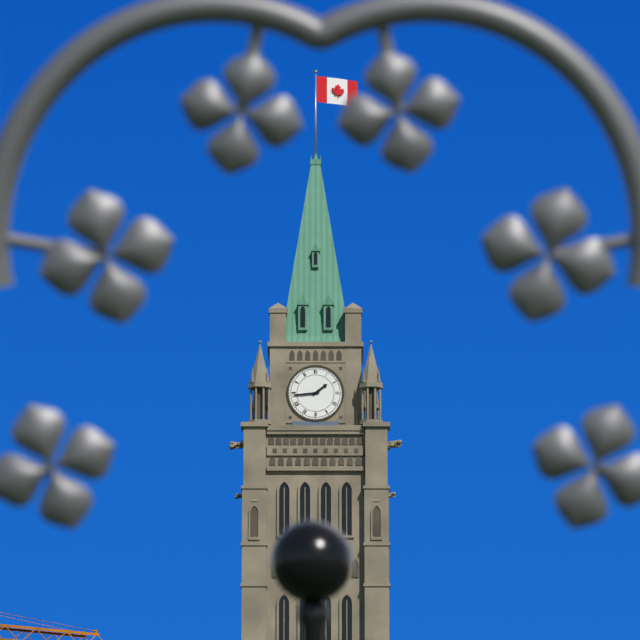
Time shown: **1:44**
